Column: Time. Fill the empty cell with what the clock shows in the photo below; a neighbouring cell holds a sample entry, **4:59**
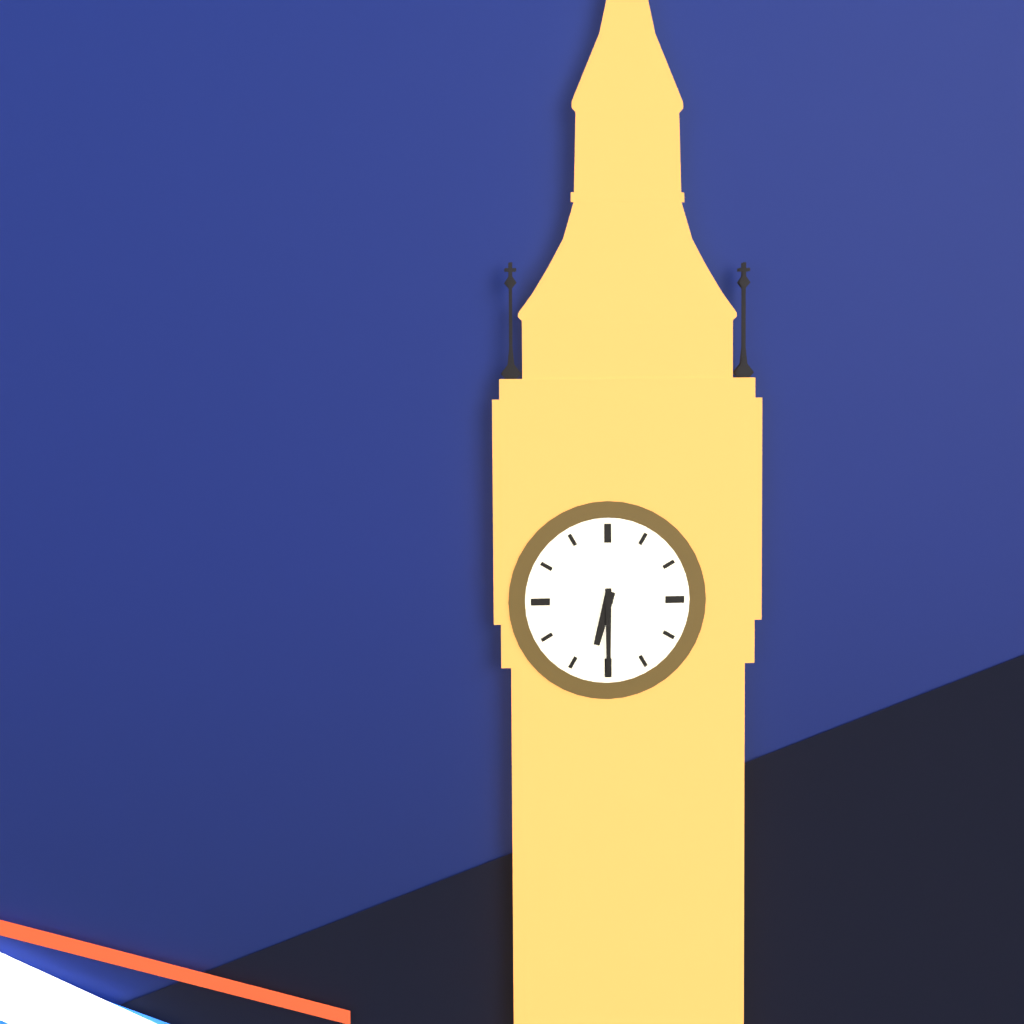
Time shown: **6:30**
